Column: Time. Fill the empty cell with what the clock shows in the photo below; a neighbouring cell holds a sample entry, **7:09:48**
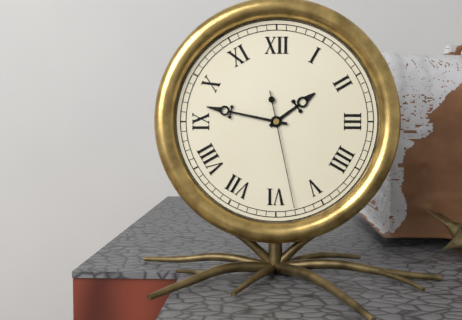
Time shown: **1:47:28**
